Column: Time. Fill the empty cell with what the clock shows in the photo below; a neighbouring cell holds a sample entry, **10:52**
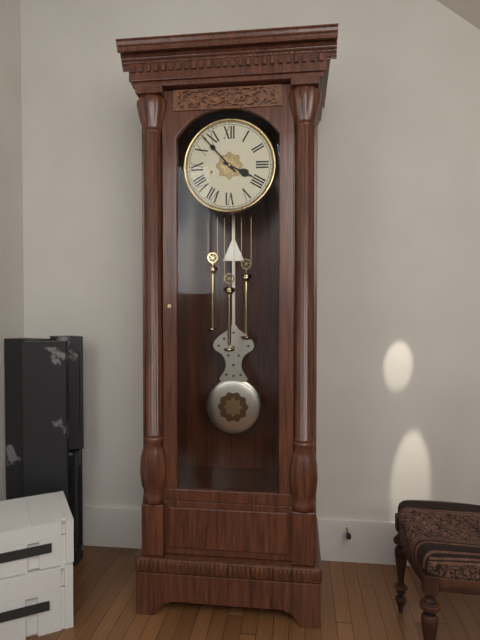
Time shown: **3:53**
